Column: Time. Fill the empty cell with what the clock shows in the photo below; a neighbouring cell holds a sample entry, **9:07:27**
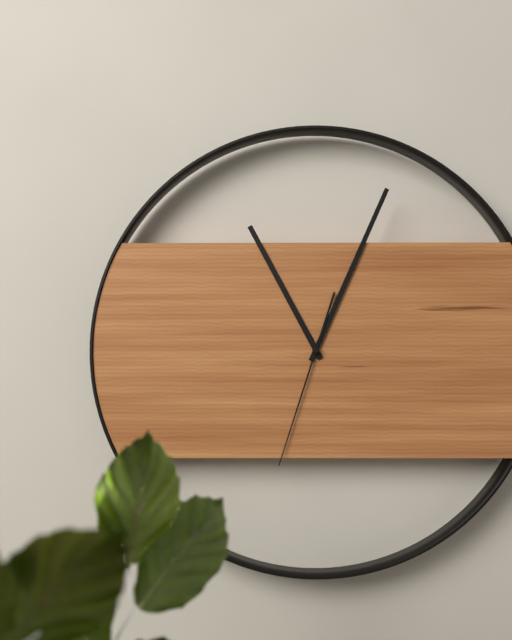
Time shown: **11:04:33**
